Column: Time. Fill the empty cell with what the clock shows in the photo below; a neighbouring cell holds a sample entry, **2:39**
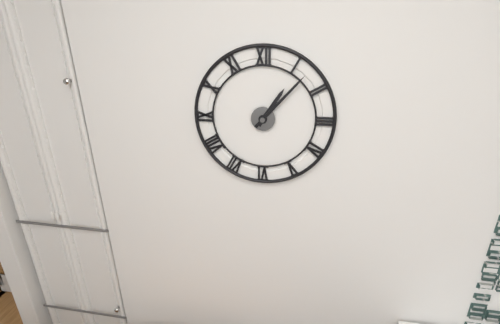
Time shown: **1:07**
